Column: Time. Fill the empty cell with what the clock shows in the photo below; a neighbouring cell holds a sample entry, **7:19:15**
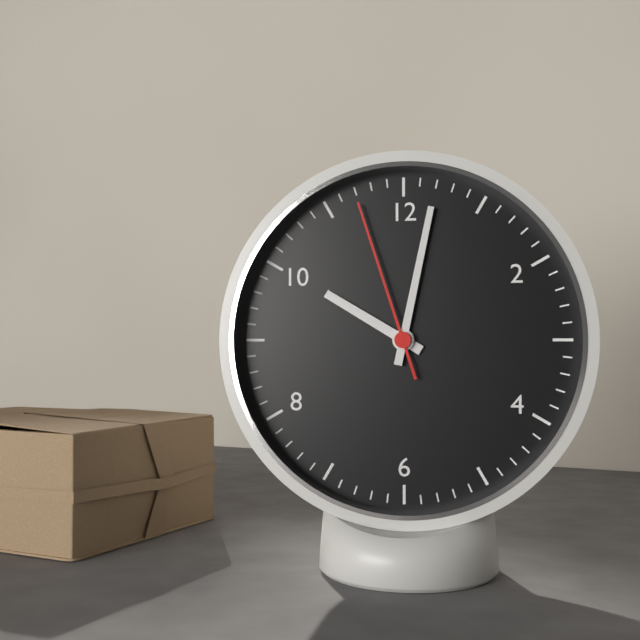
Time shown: **10:02:57**
